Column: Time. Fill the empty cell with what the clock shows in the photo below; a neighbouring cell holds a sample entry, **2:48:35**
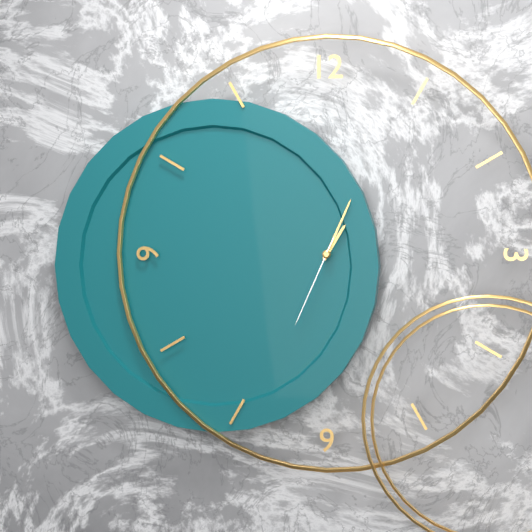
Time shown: **1:04:34**
